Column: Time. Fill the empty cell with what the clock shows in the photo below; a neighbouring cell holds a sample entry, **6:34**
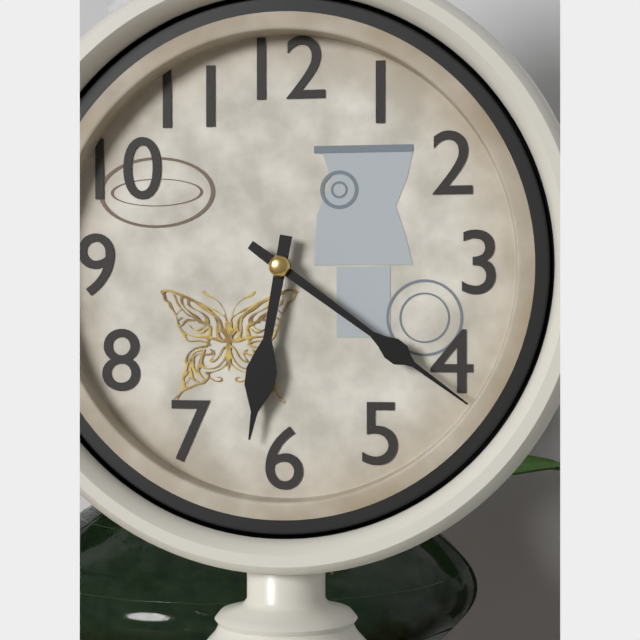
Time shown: **6:21**
